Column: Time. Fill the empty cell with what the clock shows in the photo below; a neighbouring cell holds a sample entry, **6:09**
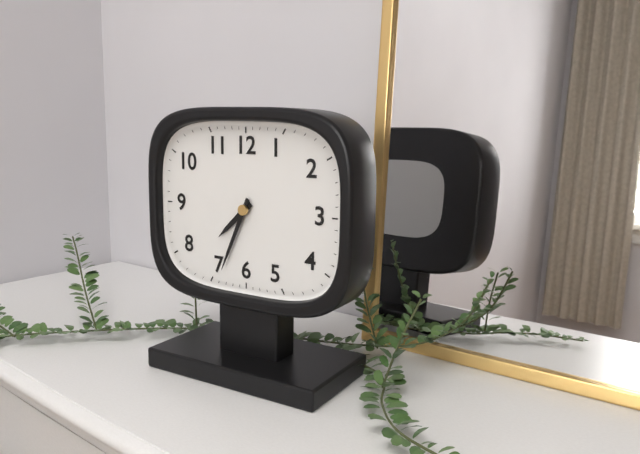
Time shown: **7:34**
